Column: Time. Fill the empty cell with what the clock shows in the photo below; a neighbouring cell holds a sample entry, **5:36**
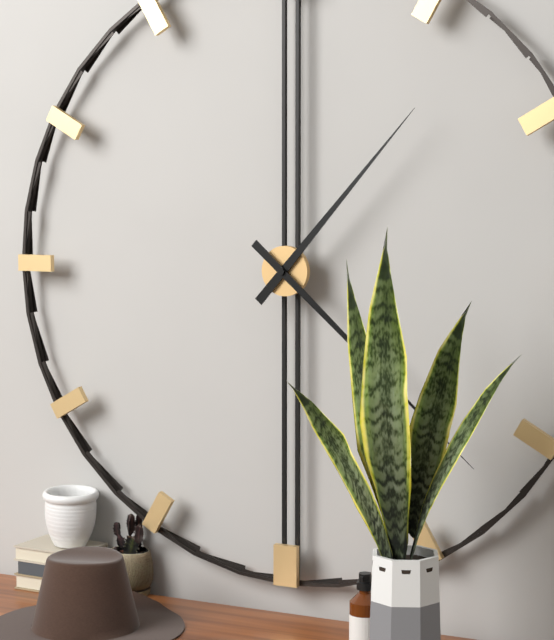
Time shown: **1:22**
